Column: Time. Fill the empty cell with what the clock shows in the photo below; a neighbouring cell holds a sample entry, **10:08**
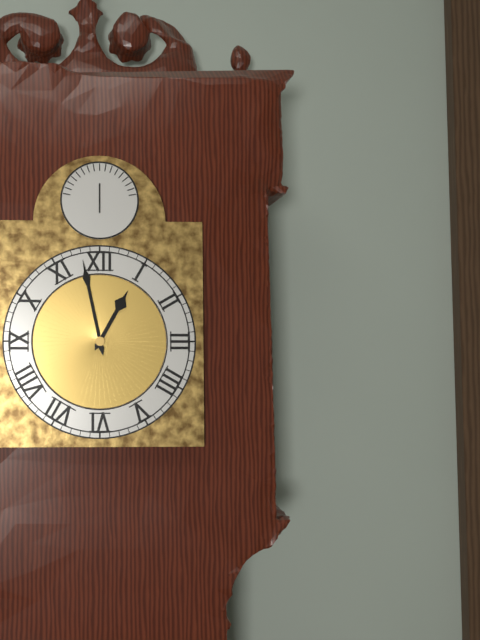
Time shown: **12:58**
